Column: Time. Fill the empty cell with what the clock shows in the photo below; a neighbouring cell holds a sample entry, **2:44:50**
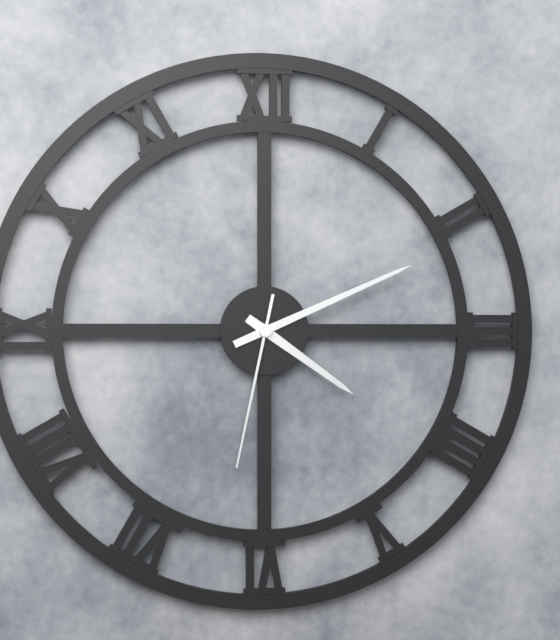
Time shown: **4:11:32**
